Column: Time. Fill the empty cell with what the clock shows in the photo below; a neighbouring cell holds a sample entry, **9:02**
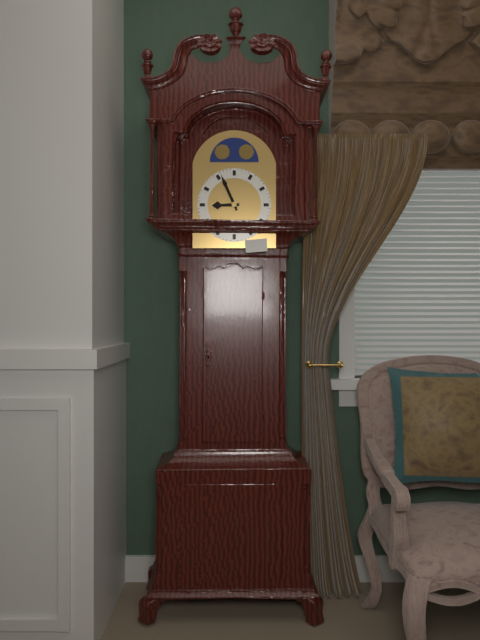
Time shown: **8:56**
